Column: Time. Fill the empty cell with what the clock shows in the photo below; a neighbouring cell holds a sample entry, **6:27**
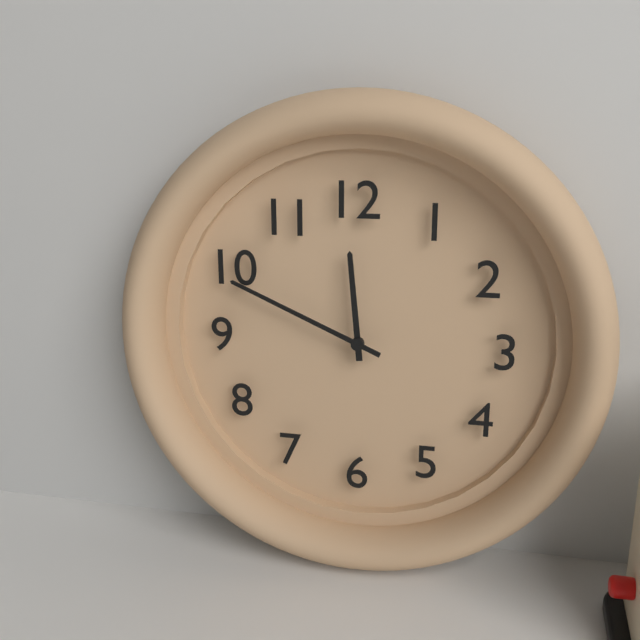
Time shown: **11:49**
